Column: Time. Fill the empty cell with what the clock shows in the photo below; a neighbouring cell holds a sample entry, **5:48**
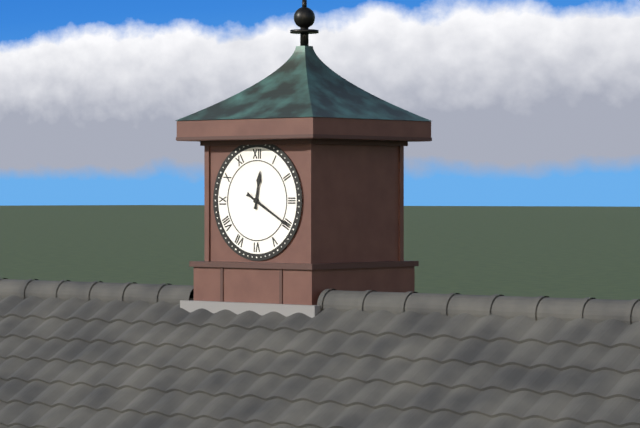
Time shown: **12:20**
